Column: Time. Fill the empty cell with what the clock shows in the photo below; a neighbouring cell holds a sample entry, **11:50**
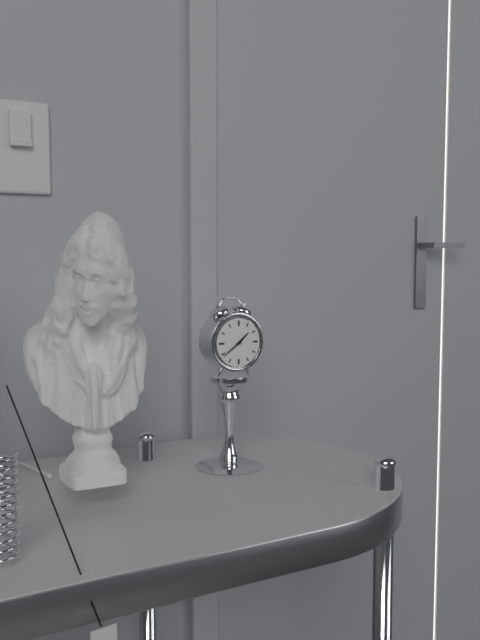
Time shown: **1:39**
